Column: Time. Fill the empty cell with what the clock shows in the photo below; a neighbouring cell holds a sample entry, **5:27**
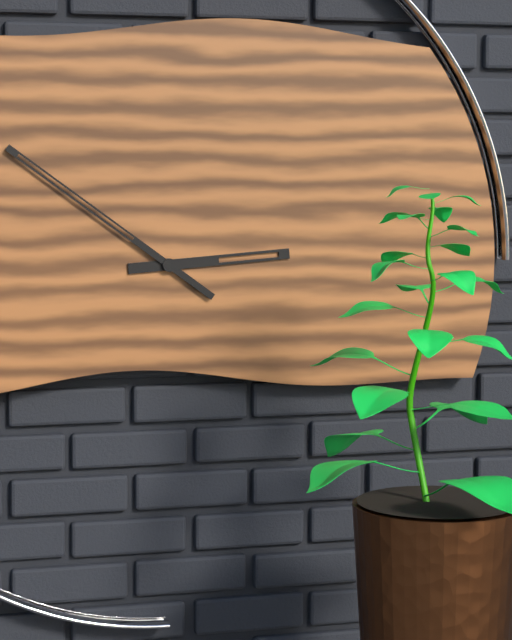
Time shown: **2:51**
